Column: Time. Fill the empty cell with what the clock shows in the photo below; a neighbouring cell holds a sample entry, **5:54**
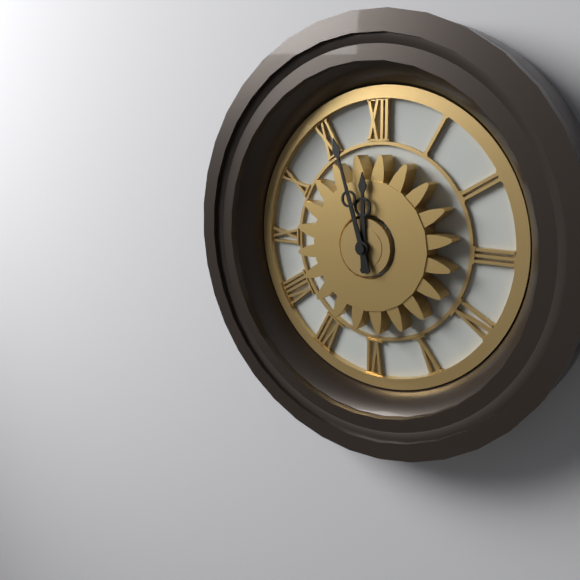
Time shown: **11:57**
